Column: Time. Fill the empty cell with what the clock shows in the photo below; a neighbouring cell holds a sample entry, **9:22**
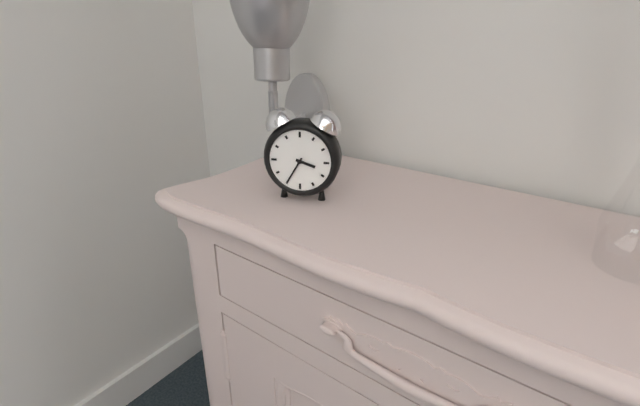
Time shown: **3:35**
